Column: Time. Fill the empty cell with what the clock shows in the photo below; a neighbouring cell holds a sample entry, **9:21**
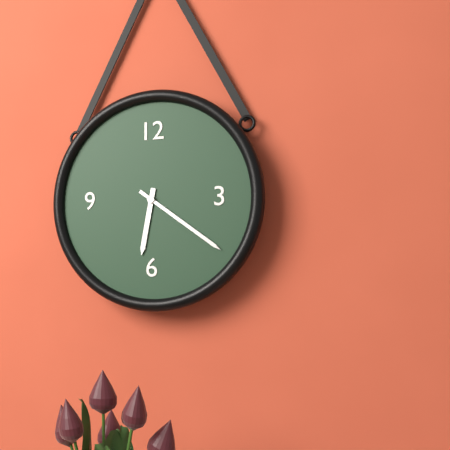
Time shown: **6:21**
